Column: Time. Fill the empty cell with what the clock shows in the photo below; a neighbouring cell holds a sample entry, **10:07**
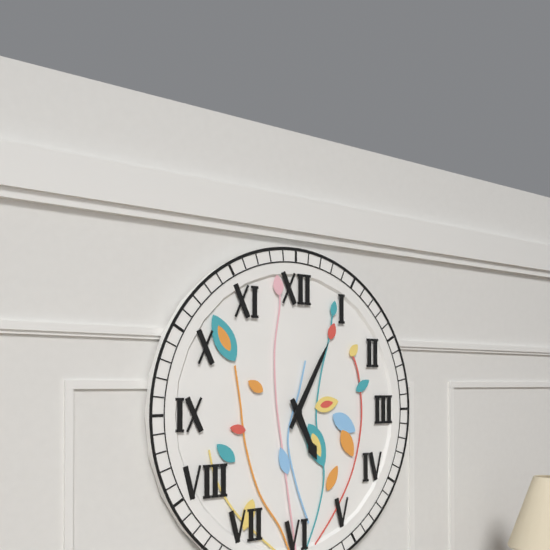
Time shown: **5:05**
